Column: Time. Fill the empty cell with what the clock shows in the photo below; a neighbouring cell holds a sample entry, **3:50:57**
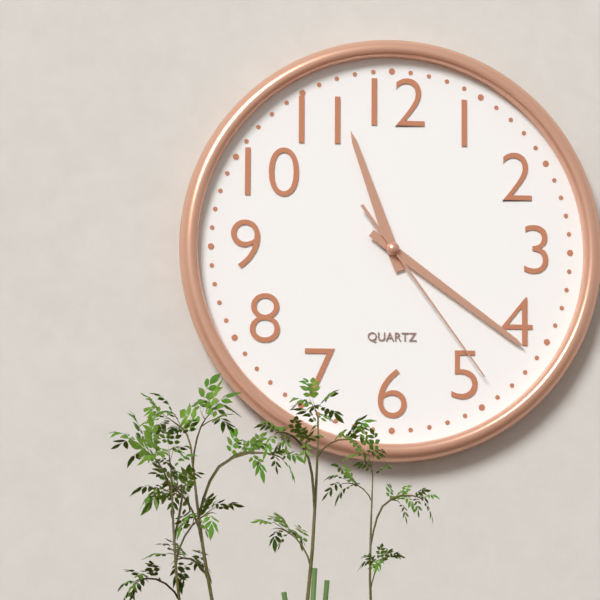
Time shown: **11:21:24**
